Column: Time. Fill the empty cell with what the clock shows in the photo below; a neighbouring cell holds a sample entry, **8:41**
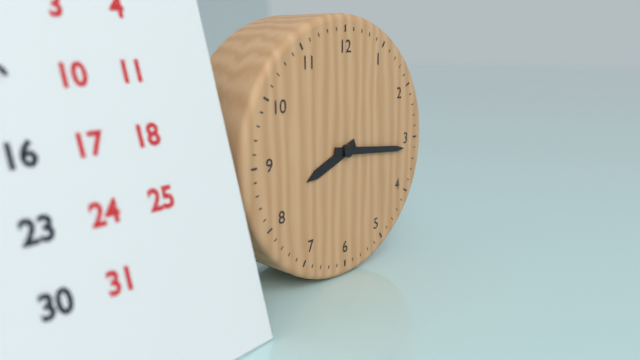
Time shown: **8:16**
